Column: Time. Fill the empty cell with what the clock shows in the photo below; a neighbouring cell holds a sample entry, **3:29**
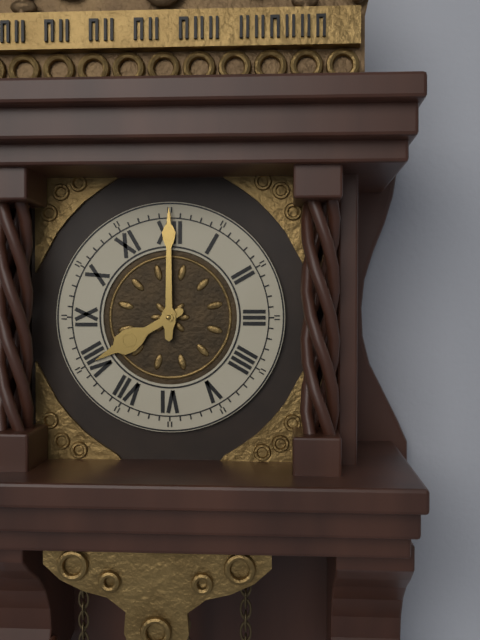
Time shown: **8:00**
